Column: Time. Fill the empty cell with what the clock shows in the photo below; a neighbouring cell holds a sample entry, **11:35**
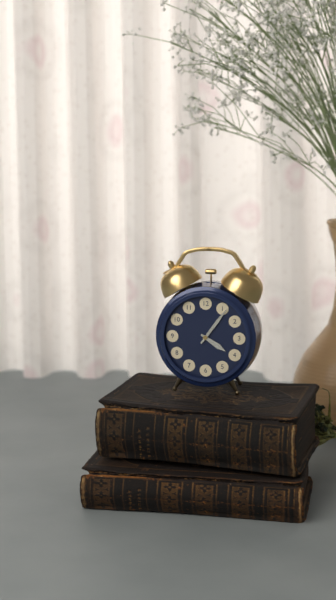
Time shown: **4:06**
